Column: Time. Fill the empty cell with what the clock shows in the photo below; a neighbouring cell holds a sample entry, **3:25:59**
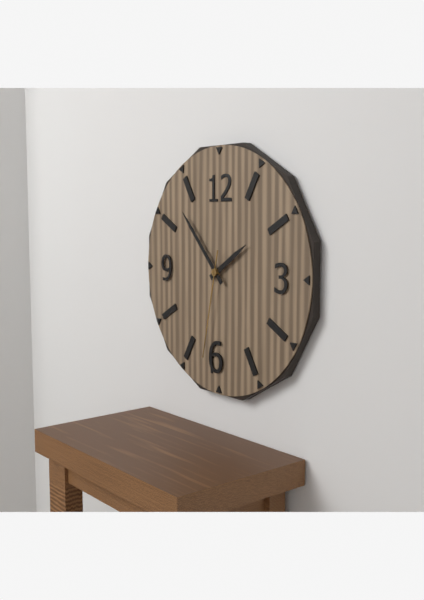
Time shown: **1:53:32**
